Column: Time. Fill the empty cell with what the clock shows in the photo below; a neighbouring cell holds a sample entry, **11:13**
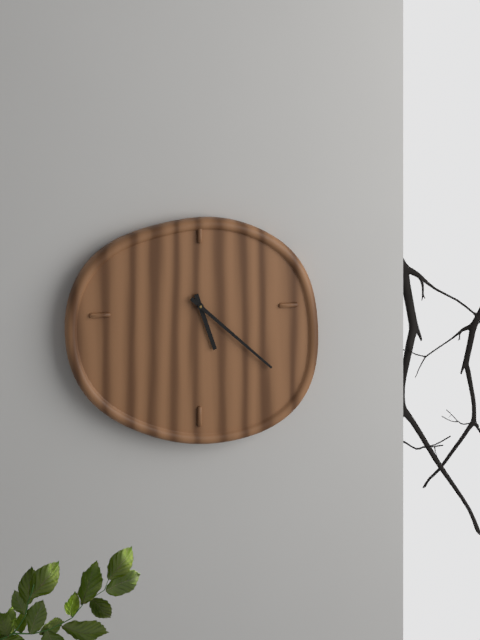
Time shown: **5:22**
